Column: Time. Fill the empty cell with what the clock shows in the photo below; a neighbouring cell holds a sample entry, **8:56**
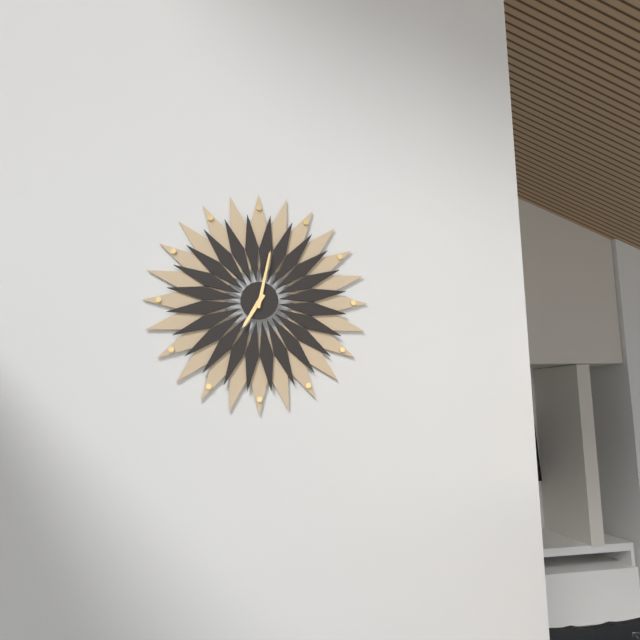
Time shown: **7:02**
